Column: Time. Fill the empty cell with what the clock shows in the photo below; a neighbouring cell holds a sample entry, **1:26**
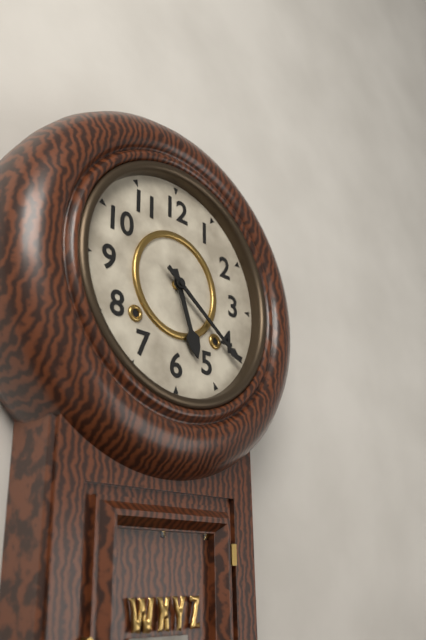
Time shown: **5:21**
